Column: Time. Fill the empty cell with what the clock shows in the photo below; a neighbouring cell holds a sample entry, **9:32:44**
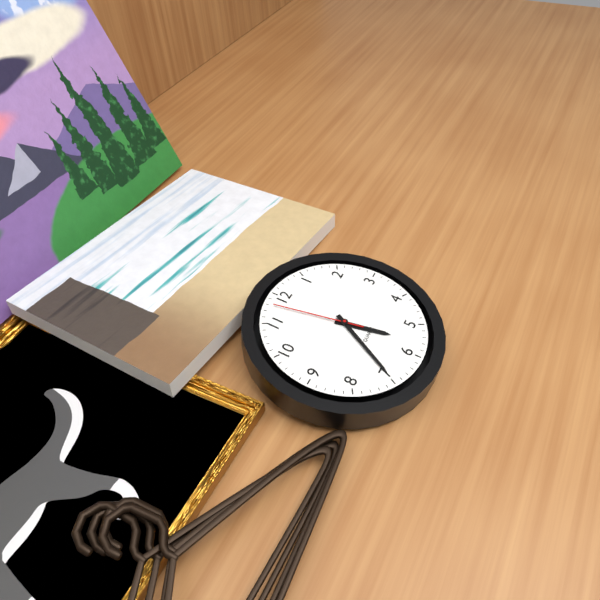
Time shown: **5:35:58**
